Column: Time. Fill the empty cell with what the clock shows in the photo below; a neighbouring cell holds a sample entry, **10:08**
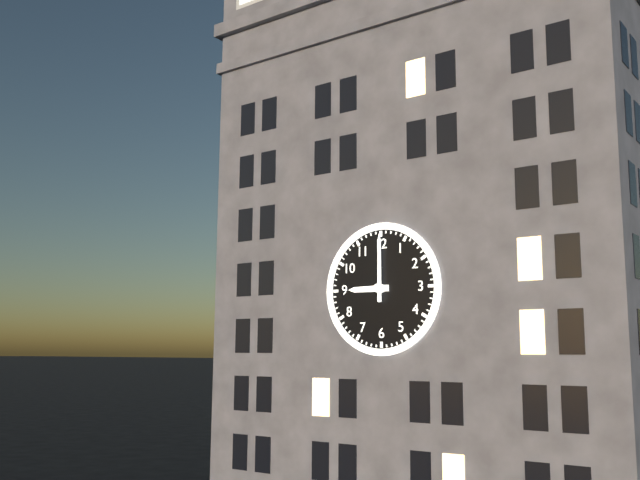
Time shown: **9:00**
